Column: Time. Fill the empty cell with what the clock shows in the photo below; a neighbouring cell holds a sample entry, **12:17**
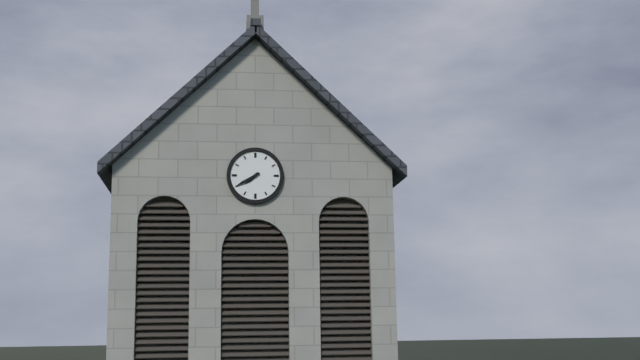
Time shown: **7:40**
